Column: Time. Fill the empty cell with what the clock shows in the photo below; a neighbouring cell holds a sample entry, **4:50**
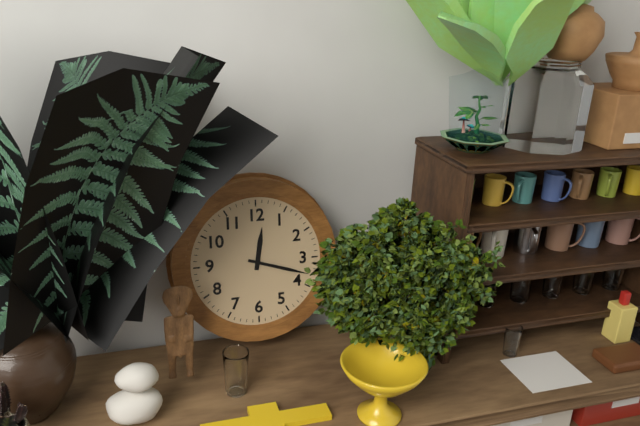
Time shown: **12:18**
